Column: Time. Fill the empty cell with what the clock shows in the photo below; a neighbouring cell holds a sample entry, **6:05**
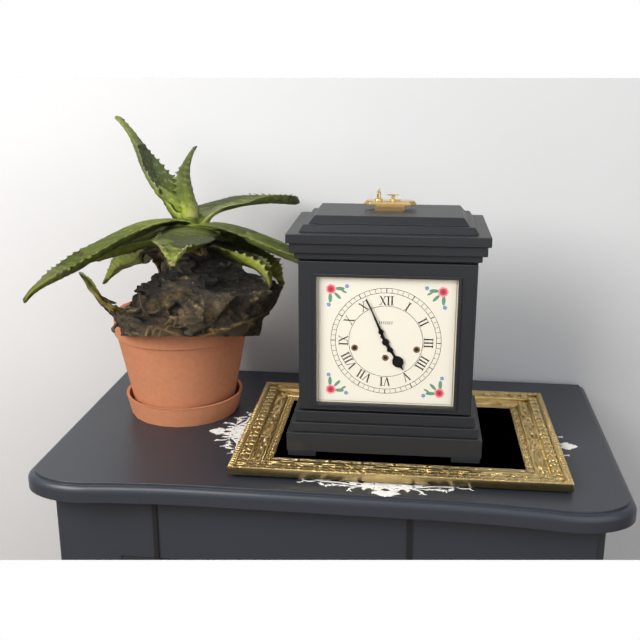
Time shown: **4:56**
